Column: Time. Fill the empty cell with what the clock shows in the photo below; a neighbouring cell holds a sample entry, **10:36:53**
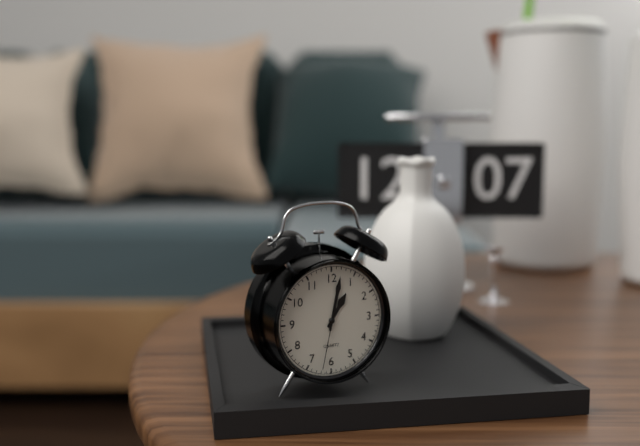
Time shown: **1:02:32**
